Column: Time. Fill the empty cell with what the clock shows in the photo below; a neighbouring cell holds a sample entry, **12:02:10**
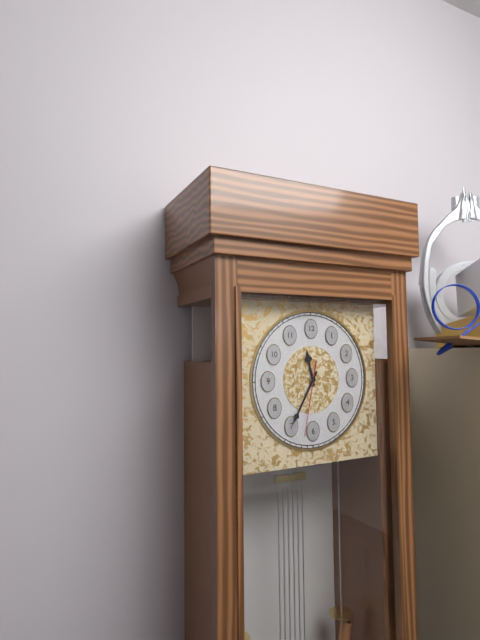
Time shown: **11:35:32**
